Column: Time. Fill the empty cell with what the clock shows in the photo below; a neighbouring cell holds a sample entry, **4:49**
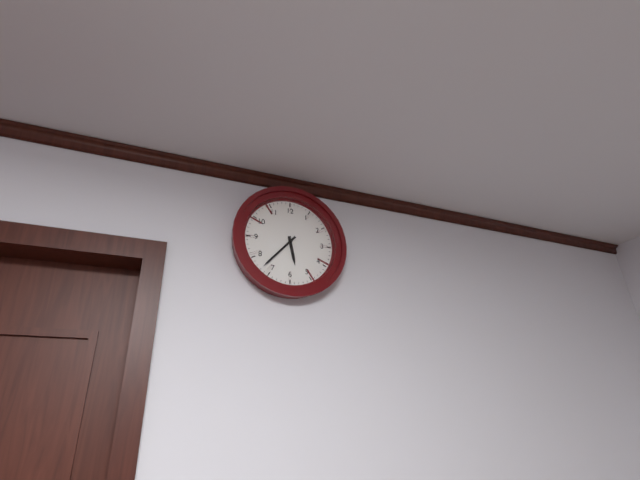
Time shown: **5:37**
